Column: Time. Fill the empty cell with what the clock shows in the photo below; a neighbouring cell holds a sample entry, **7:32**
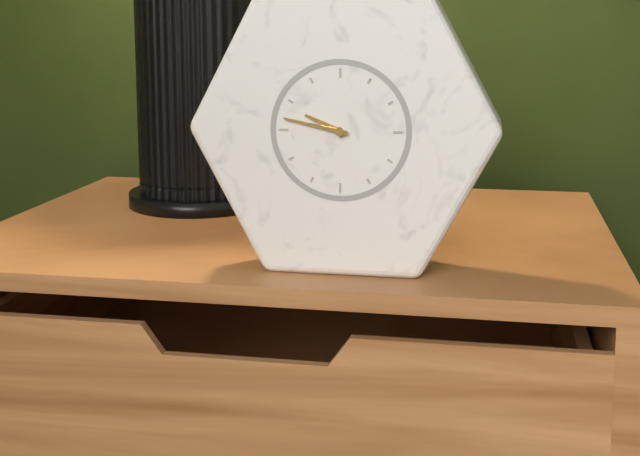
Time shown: **9:47**
